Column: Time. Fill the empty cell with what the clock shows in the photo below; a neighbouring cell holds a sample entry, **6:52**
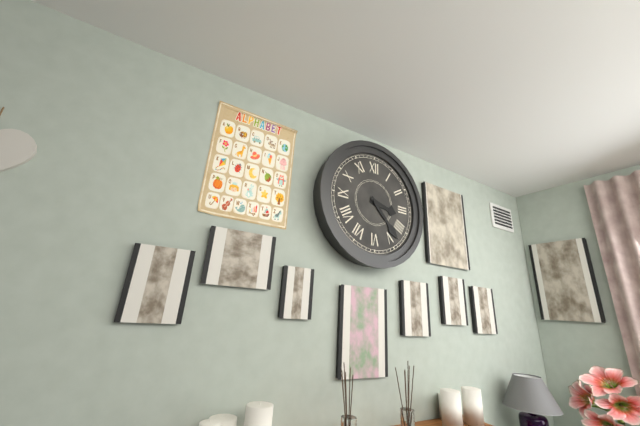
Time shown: **3:23**
